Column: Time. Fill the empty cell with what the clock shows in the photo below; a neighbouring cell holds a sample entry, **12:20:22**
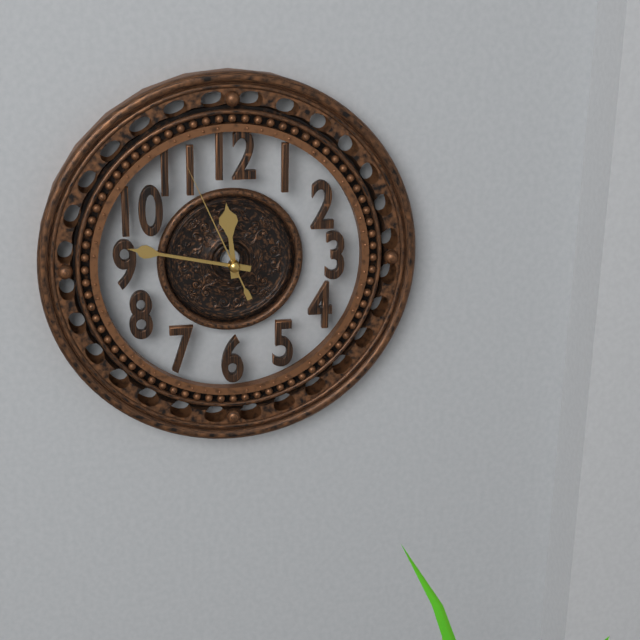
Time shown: **11:47:56**
